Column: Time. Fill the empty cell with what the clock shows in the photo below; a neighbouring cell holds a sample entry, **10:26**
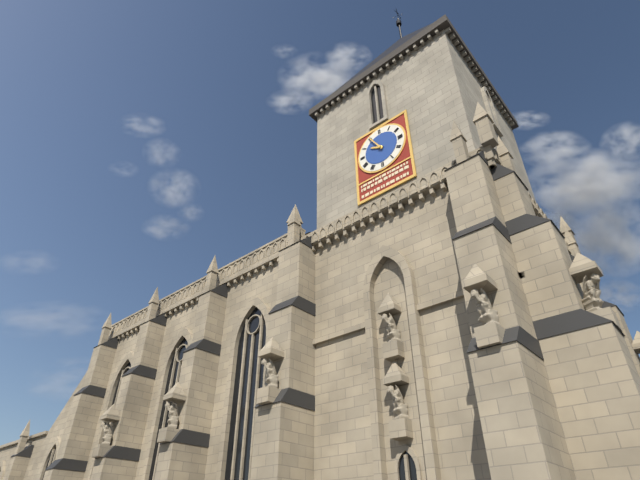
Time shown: **9:55**
